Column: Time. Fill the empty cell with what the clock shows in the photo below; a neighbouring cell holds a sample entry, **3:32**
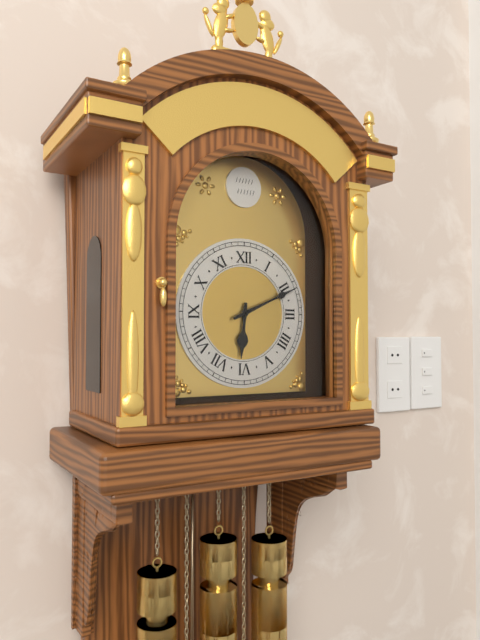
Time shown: **6:11**
